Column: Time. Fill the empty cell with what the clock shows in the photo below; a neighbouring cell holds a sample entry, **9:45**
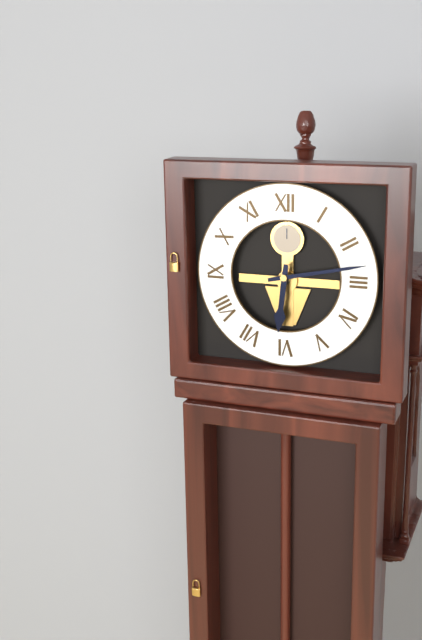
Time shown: **6:13**
